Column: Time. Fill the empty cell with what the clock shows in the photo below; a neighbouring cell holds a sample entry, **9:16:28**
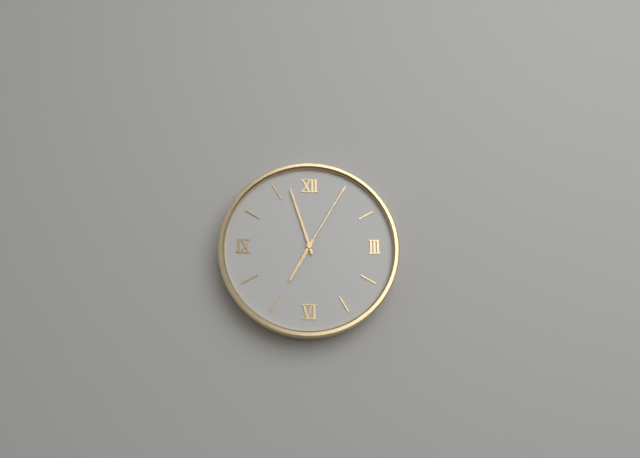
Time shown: **6:57:05**
